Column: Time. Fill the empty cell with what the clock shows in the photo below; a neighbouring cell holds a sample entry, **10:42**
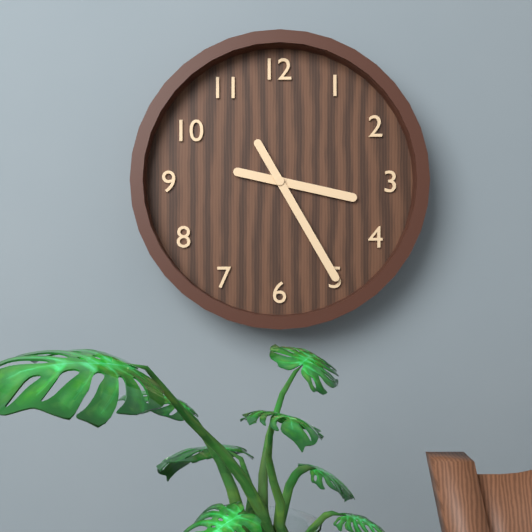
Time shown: **3:25**
